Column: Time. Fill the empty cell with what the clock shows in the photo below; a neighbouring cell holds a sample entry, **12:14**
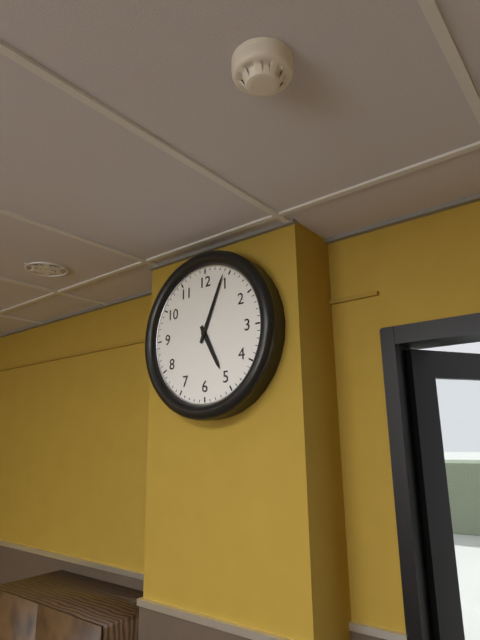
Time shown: **5:04**
